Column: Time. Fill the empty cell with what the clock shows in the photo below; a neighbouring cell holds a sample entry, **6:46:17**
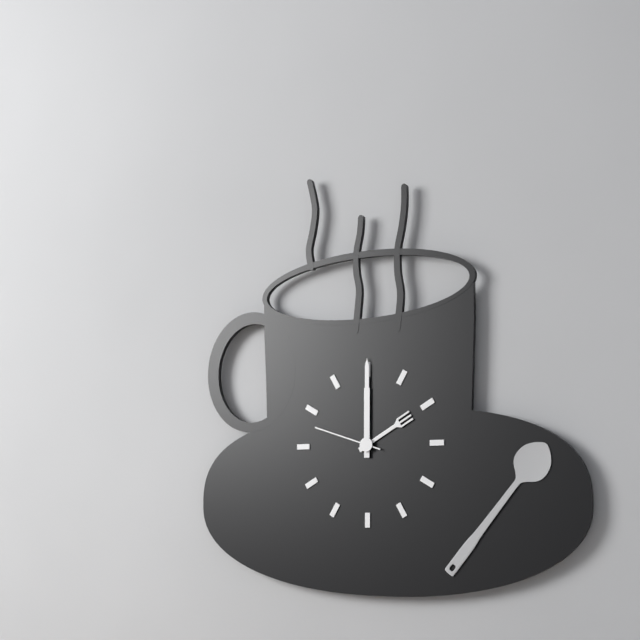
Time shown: **2:00:48**
